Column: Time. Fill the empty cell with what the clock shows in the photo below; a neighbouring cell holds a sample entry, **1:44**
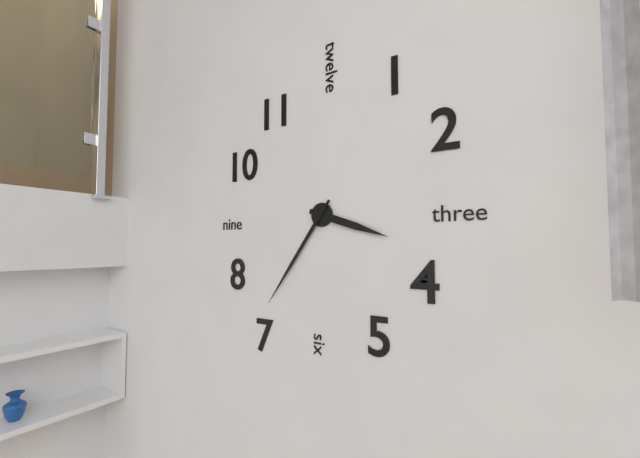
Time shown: **3:36**
